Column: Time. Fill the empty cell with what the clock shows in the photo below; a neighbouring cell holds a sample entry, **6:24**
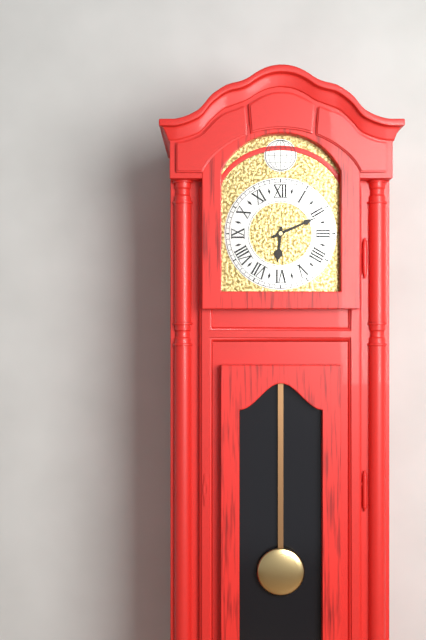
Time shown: **6:11**
